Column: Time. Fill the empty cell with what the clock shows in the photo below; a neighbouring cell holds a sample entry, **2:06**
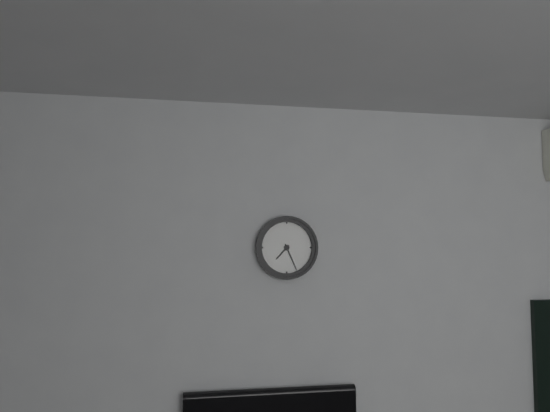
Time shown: **7:26**
